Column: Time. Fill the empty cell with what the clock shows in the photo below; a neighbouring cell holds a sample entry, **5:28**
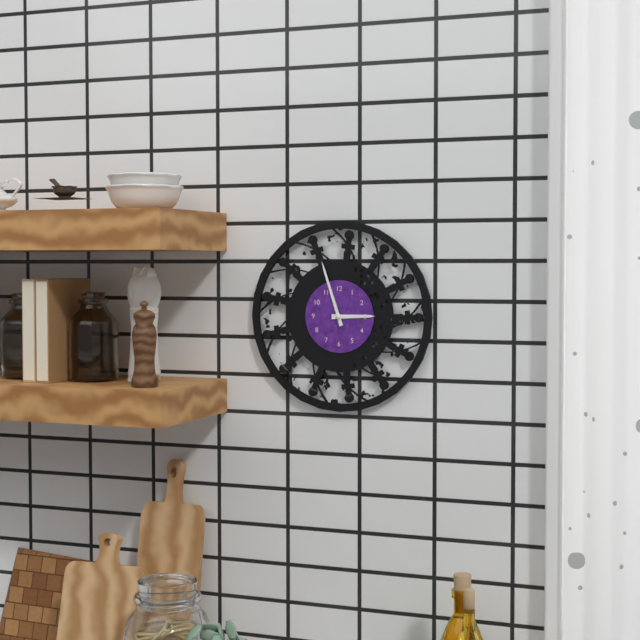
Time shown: **2:57**
